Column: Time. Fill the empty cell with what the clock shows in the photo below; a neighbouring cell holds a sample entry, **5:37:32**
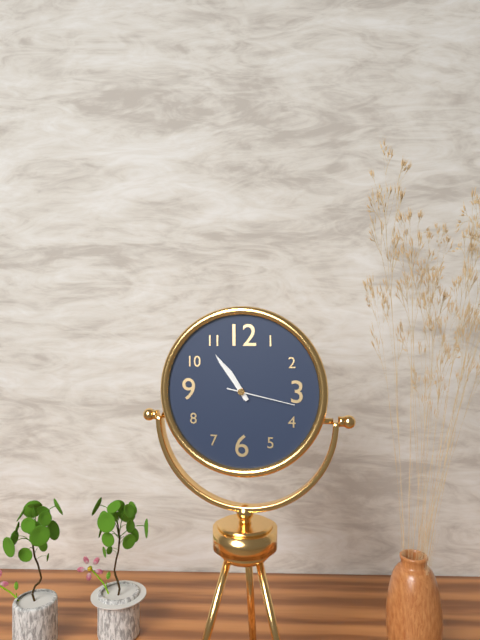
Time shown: **10:54:17**
